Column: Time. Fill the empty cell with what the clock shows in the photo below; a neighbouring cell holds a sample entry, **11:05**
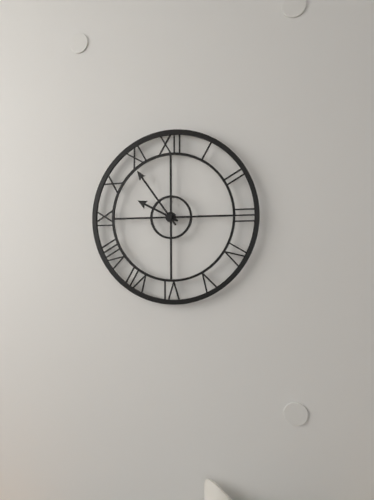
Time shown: **9:54**
